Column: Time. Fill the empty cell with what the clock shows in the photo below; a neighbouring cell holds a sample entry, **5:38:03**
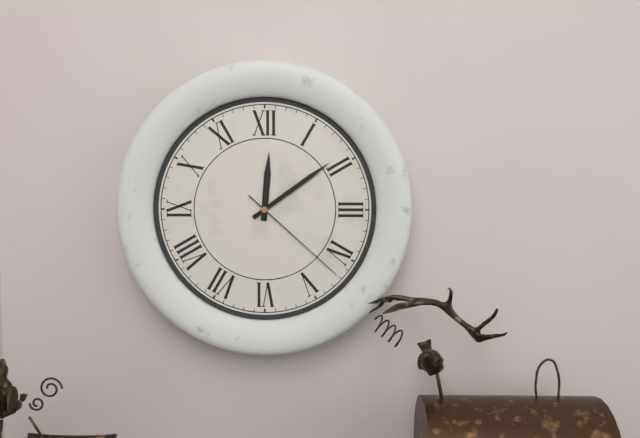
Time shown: **12:09:22**
